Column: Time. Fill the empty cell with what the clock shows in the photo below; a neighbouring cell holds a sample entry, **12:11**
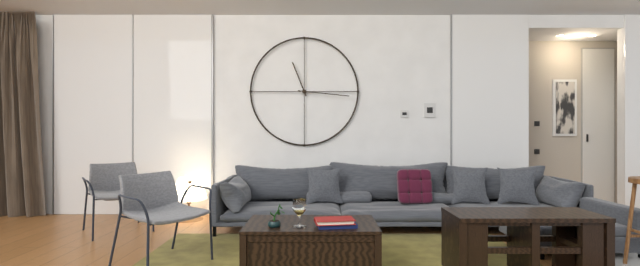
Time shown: **11:16**
